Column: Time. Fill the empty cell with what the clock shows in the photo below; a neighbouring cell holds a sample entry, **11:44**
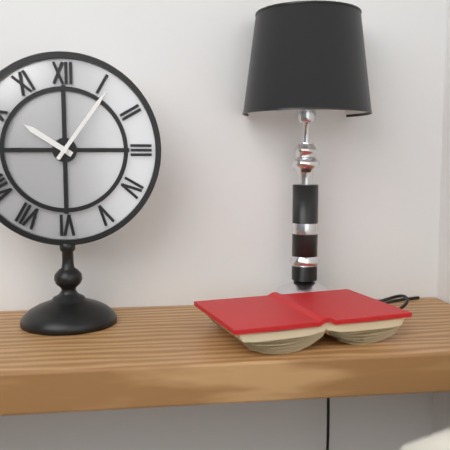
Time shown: **10:06**
